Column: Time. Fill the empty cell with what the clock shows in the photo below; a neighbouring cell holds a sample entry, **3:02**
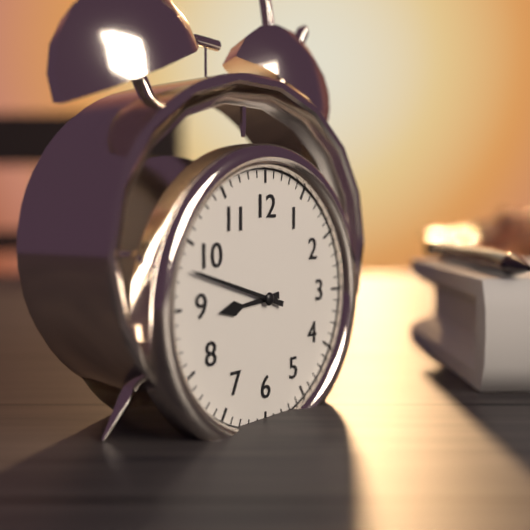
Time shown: **8:48**
